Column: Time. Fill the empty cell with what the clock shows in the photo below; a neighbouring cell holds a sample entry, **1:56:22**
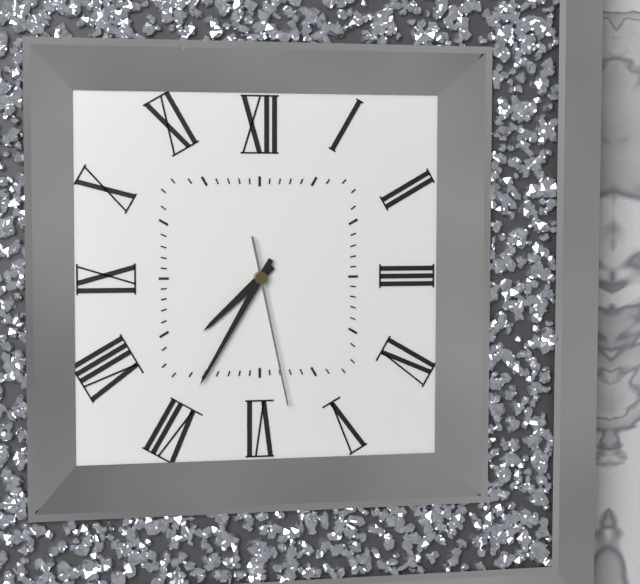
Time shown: **7:35:28**
